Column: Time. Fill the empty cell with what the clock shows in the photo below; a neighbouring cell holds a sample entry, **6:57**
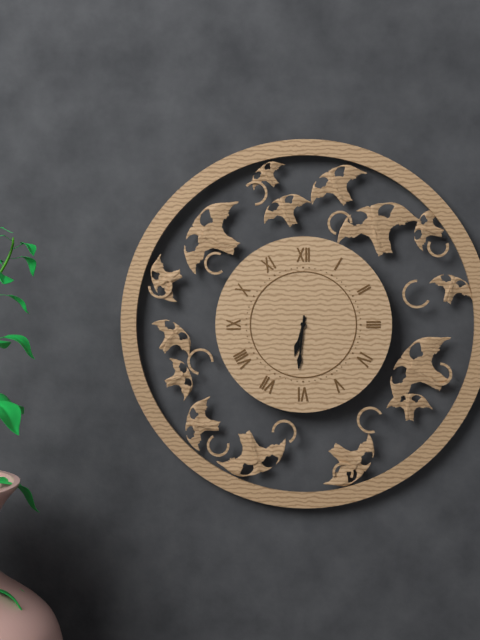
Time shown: **6:31**
